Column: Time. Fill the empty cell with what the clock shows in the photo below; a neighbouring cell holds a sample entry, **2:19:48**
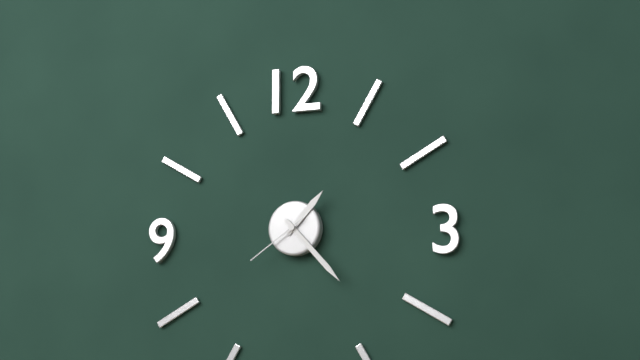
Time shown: **1:23:39**
